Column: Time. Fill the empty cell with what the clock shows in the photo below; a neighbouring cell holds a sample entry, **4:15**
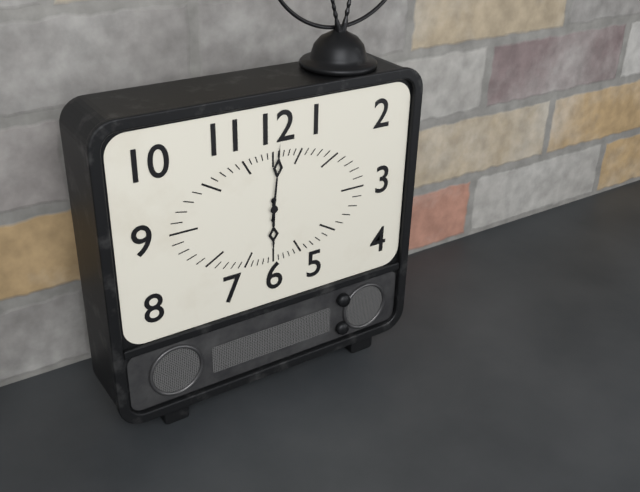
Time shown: **6:01**
